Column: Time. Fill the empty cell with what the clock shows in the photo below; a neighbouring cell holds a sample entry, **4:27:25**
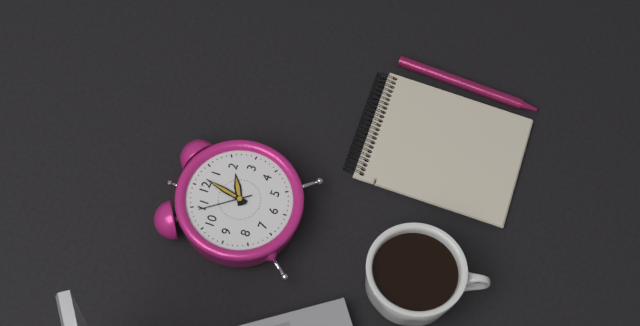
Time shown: **2:02:54**
